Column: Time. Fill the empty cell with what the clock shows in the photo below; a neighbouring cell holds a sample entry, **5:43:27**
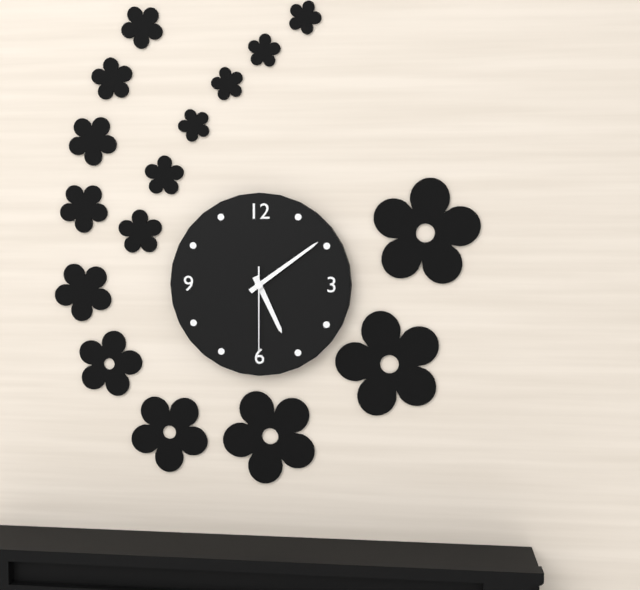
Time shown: **5:09:30**
